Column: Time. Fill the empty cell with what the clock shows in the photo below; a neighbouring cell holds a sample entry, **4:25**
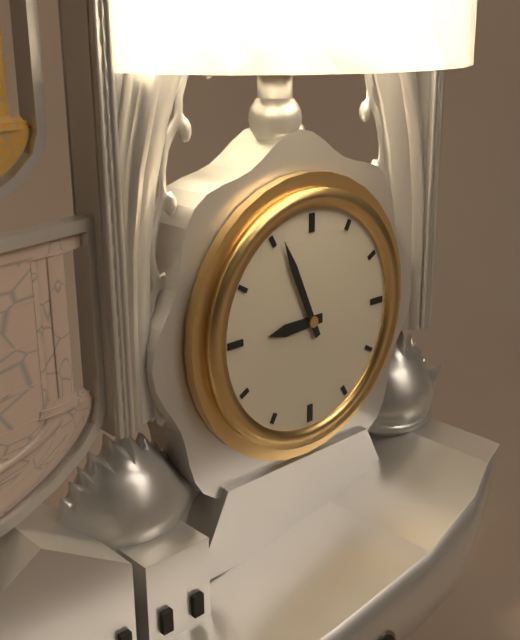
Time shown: **8:56**
